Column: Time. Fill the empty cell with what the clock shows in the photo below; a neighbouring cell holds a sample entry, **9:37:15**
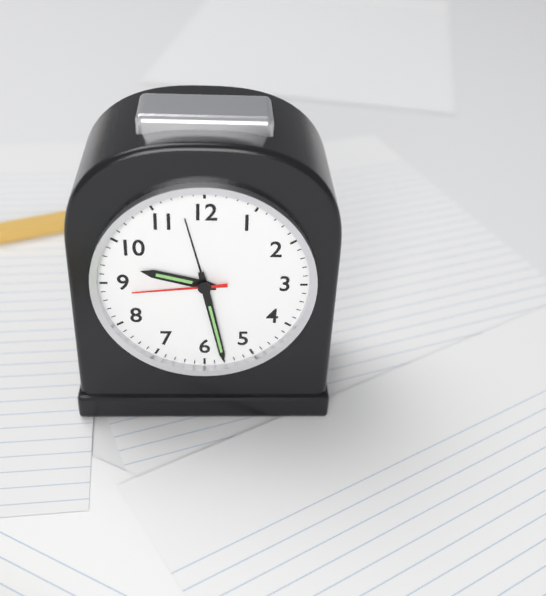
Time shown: **9:28:44**
